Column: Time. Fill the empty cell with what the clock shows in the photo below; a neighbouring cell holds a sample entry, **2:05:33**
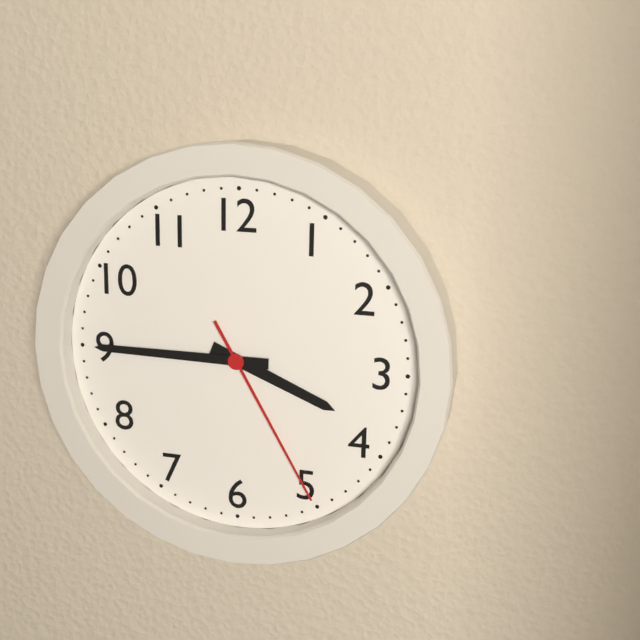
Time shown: **3:45:25**
